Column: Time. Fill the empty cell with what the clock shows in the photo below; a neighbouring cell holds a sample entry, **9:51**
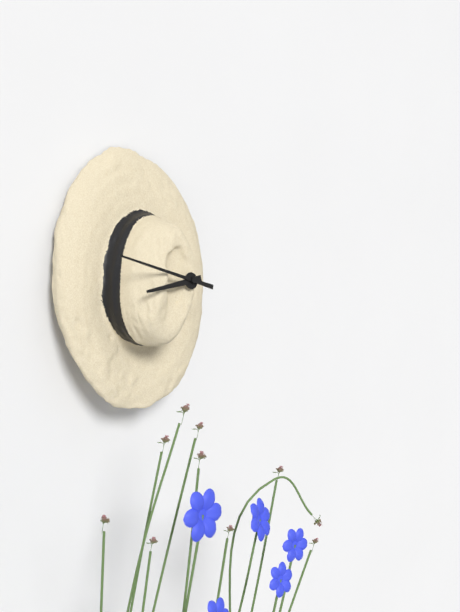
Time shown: **8:48**
